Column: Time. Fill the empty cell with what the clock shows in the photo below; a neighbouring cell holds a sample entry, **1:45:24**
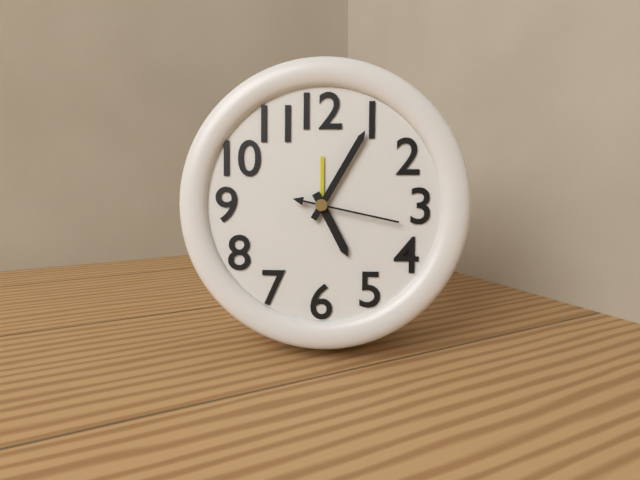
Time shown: **5:05:17**
